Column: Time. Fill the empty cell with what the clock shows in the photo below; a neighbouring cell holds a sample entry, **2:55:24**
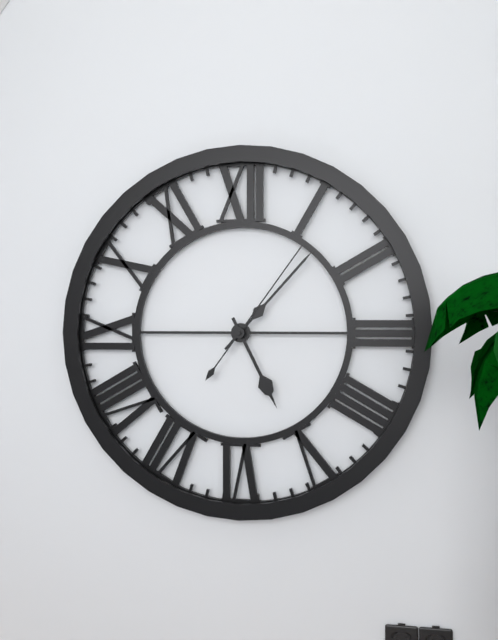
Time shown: **5:07:06**
